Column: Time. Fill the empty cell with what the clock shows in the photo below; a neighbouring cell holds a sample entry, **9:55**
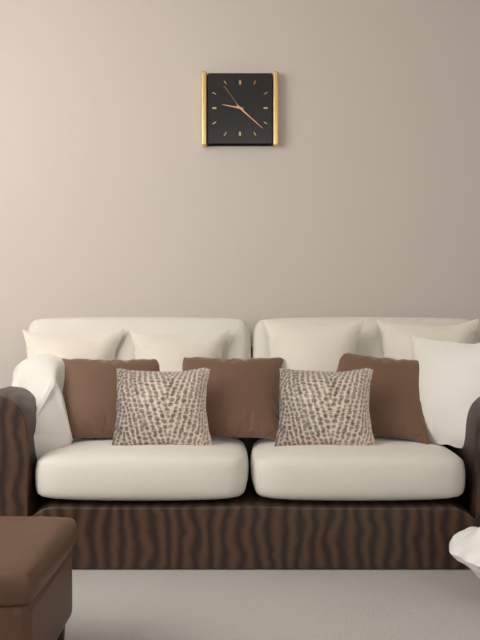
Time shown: **9:22**
